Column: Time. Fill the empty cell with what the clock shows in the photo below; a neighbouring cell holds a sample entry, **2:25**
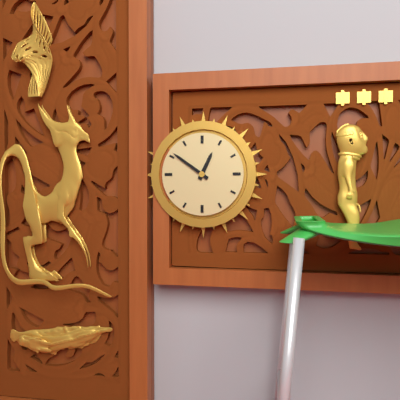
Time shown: **12:51**
